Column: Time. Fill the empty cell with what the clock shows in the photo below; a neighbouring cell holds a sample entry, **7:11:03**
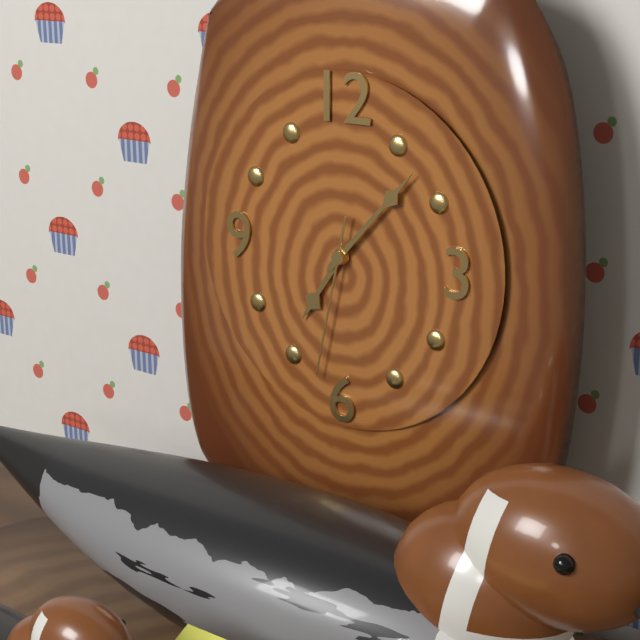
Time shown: **7:07:32**
